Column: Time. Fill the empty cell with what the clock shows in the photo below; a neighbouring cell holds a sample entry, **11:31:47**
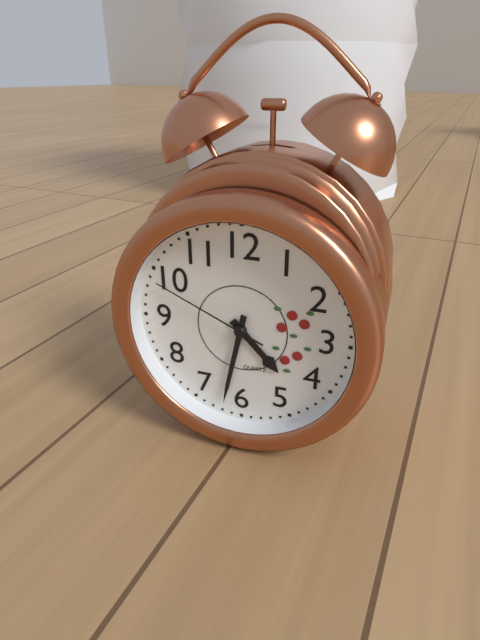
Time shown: **4:32:49**
